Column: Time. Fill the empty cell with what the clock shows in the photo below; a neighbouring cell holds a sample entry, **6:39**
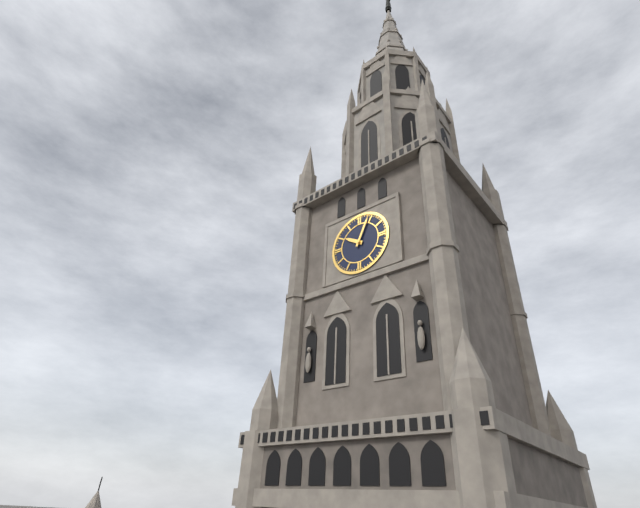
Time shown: **10:04**
